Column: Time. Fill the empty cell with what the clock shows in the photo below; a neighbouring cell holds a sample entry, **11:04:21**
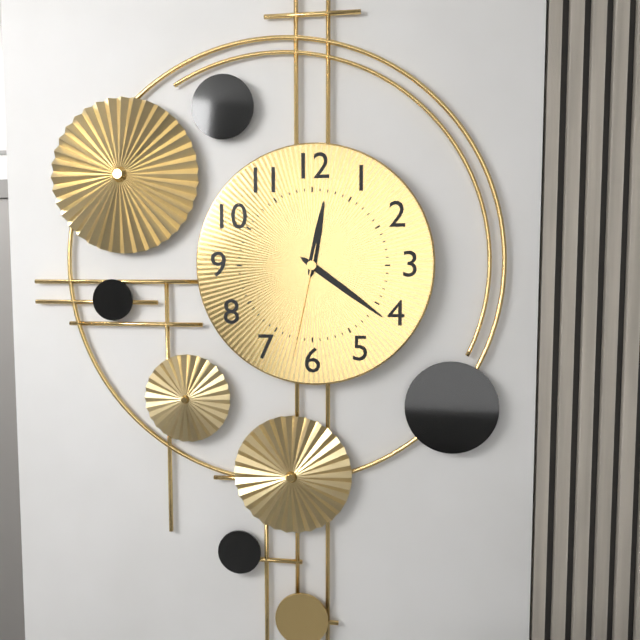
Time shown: **12:21:32**
